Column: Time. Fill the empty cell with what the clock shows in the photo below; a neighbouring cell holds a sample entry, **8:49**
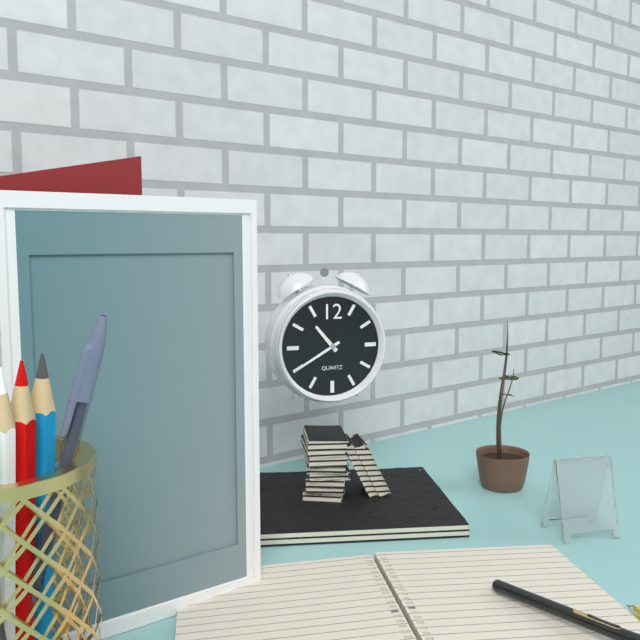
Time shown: **10:40**
